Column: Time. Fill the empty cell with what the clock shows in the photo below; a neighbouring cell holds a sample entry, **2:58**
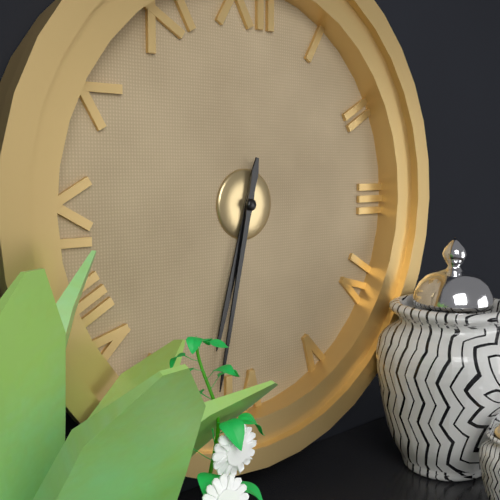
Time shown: **6:32**
